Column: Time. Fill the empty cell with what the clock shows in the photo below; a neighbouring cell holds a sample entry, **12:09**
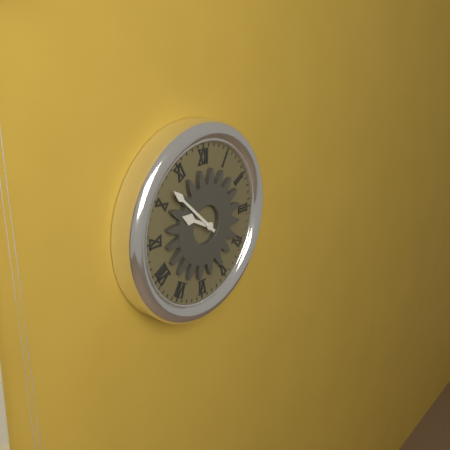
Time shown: **9:52**
